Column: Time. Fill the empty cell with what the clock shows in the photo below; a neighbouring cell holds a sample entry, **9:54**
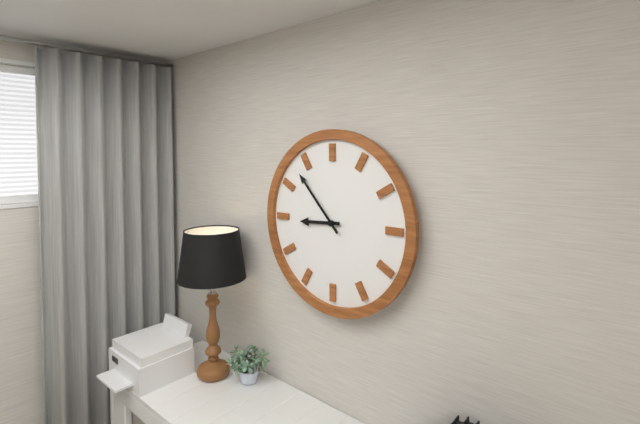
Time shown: **8:53**
